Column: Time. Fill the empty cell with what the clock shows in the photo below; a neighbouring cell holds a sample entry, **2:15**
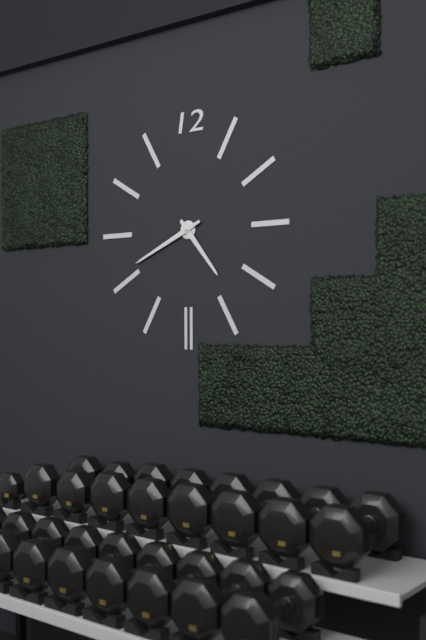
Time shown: **4:41**
